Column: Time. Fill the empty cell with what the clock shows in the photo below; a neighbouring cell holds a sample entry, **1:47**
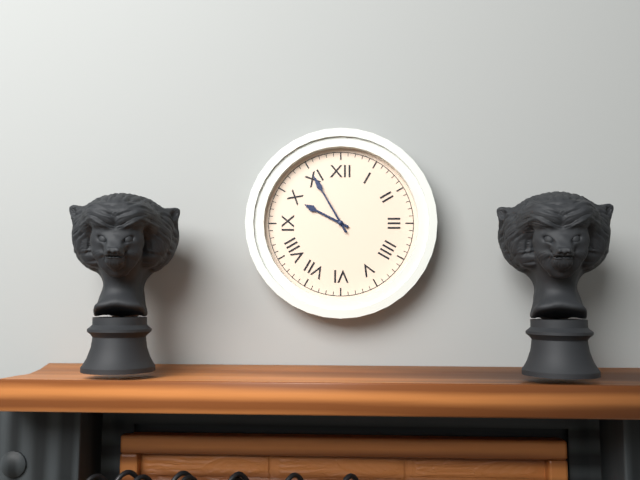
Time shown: **9:55**
